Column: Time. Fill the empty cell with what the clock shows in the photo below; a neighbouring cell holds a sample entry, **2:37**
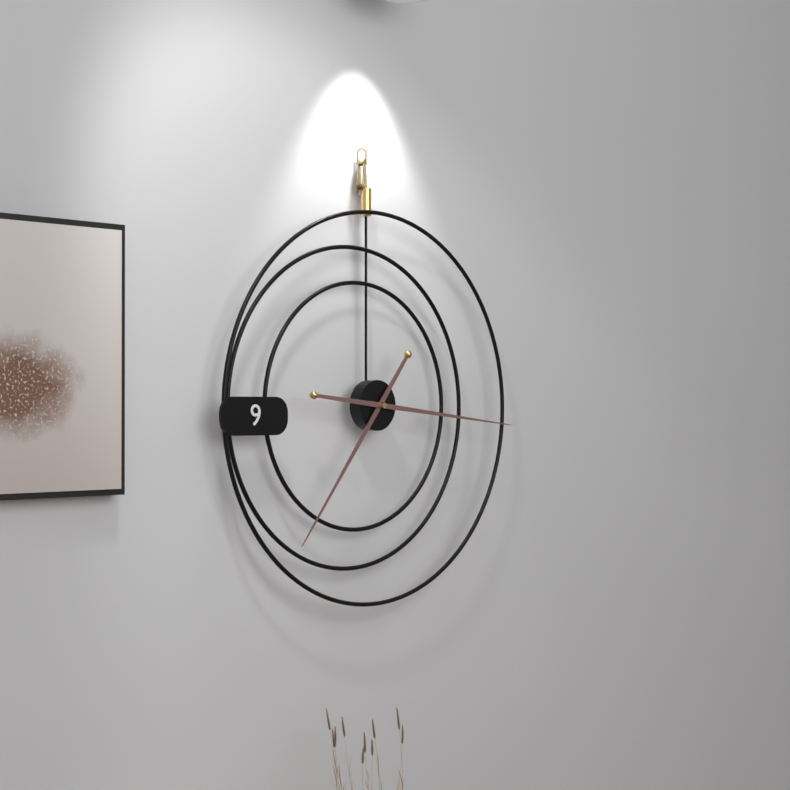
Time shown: **7:16**
